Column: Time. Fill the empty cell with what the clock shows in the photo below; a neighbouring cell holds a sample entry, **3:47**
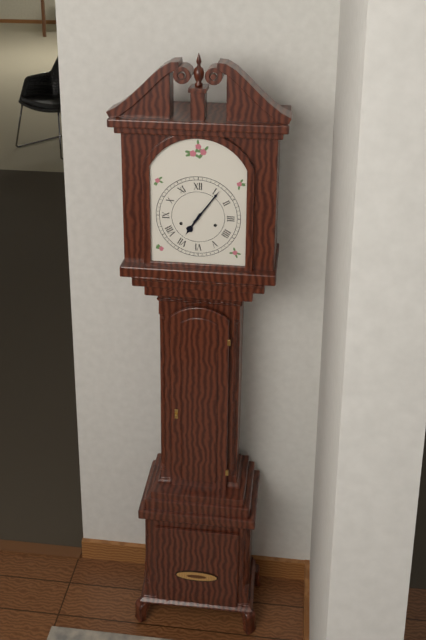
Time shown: **7:06**
